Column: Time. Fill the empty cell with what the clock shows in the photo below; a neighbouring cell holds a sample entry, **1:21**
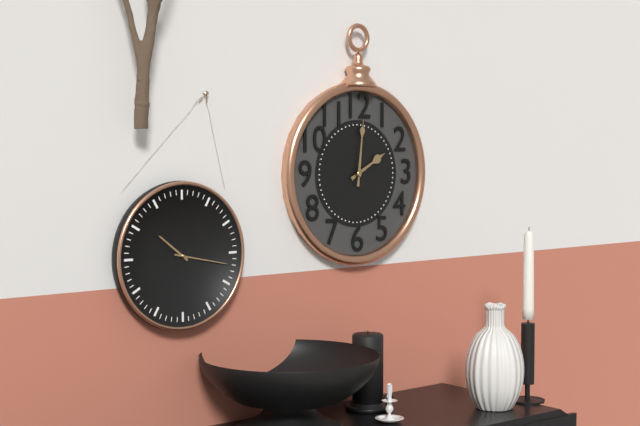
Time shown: **2:01**
